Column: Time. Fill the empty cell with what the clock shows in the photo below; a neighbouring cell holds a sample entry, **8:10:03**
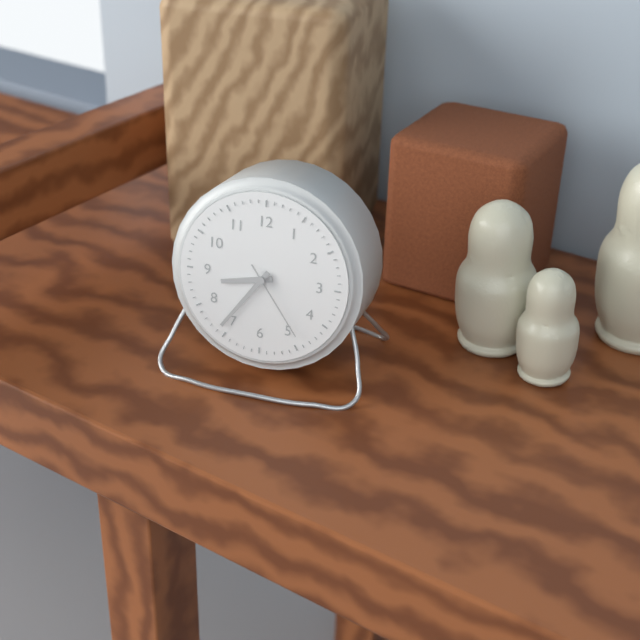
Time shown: **8:36:24**
